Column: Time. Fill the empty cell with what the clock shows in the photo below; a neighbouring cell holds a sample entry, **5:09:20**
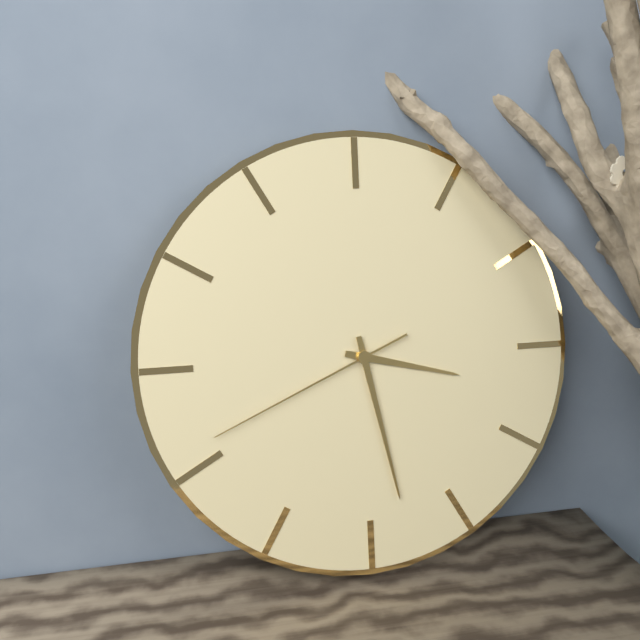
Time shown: **3:28:41**
